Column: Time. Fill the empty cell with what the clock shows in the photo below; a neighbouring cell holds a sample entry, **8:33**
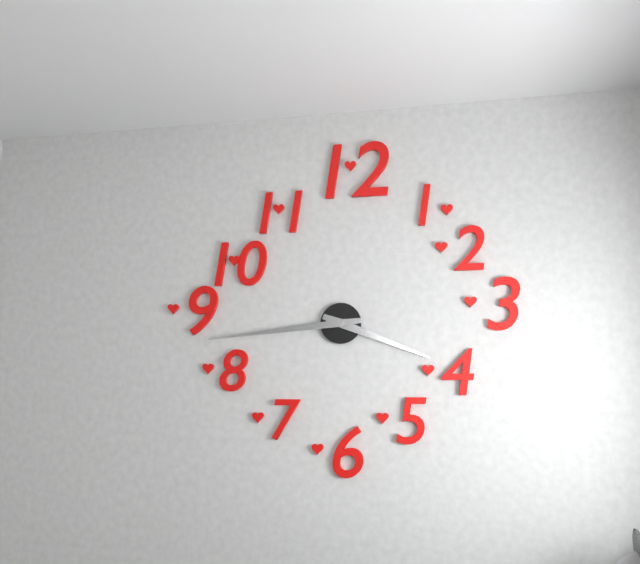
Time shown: **3:44**
